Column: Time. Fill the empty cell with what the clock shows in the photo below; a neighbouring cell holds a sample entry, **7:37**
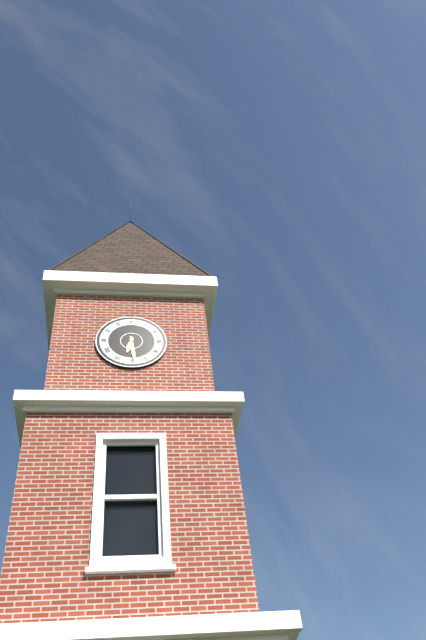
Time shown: **6:29**
